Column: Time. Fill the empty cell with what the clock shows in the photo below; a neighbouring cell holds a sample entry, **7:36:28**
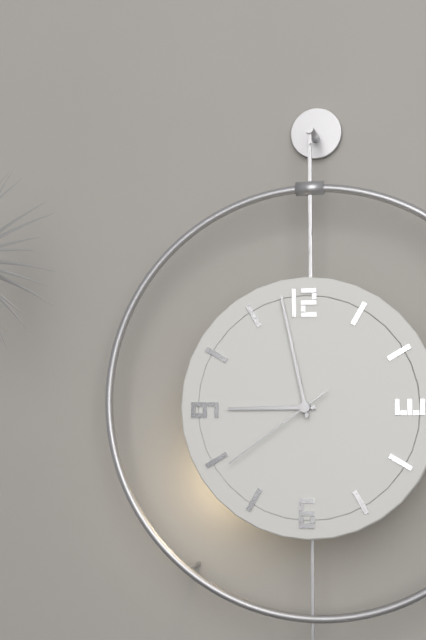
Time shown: **8:58:39**
